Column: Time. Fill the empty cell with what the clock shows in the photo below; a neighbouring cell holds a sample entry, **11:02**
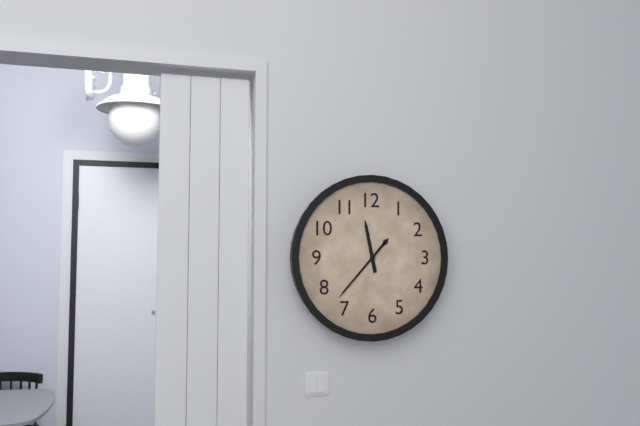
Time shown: **11:37**
